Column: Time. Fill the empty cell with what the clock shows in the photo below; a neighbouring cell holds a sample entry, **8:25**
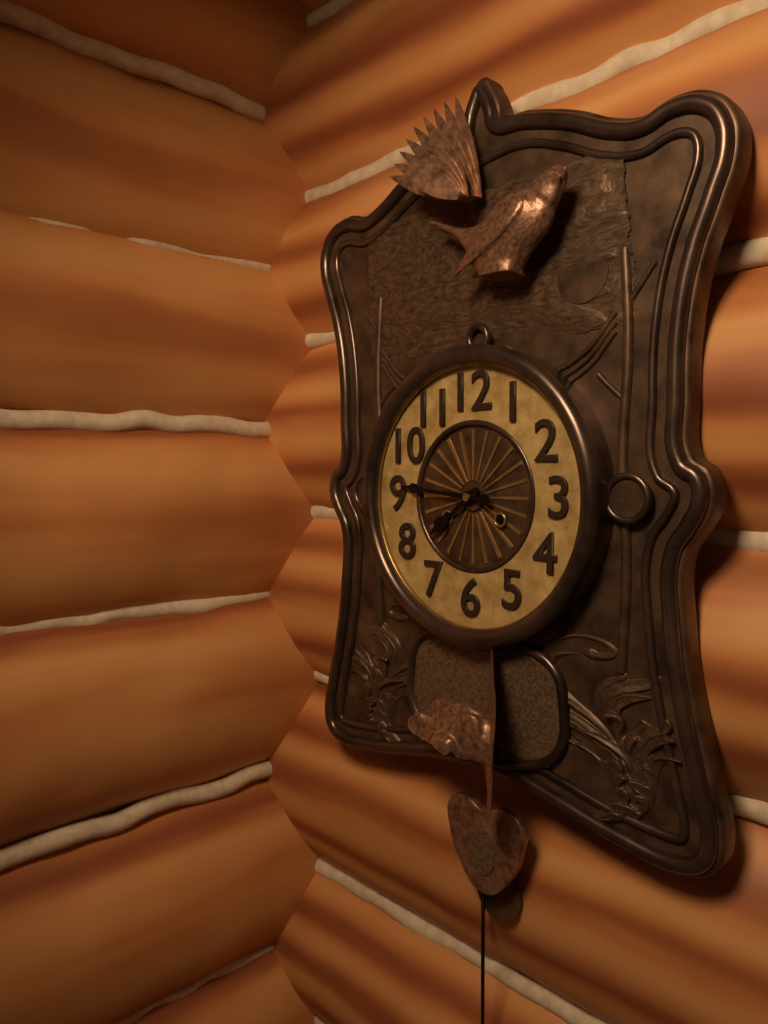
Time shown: **7:46**
